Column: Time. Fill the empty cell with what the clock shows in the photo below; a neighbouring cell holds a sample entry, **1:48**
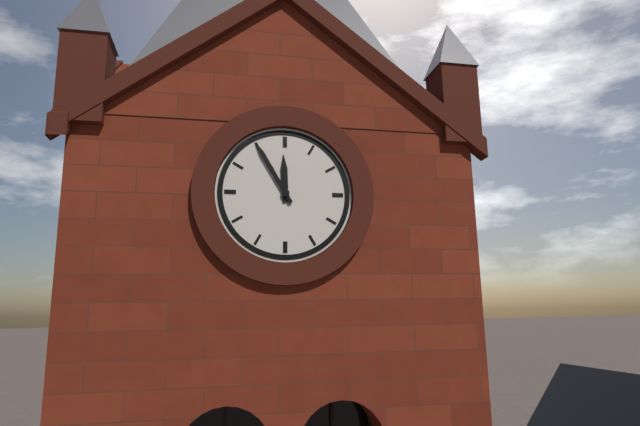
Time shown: **11:55**
